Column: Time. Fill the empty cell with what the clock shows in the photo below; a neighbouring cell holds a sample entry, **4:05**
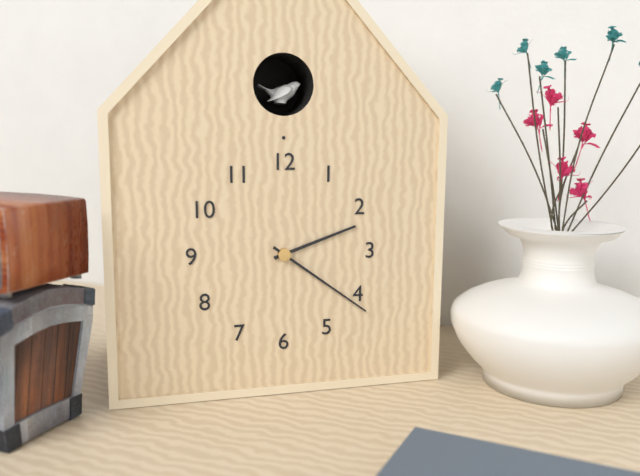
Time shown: **2:21**
